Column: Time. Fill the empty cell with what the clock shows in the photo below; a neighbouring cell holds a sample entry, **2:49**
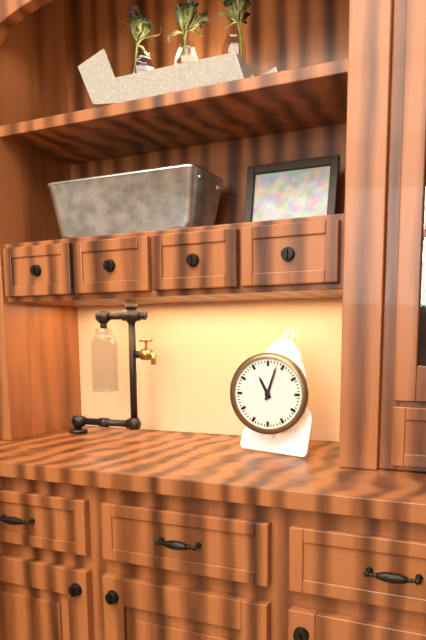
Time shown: **11:03**
